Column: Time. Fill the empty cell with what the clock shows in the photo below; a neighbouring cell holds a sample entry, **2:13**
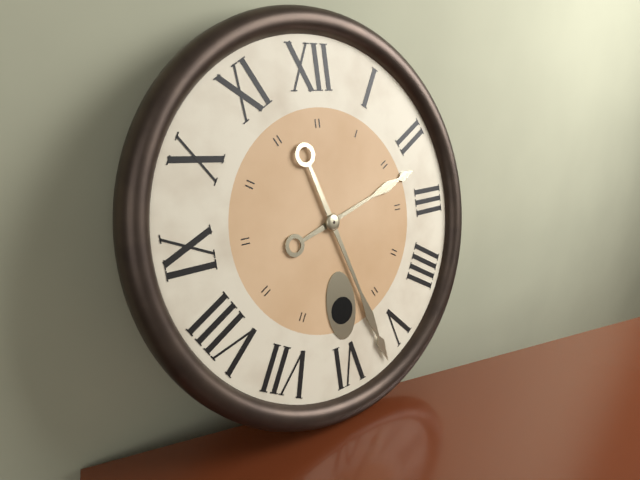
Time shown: **2:27**
